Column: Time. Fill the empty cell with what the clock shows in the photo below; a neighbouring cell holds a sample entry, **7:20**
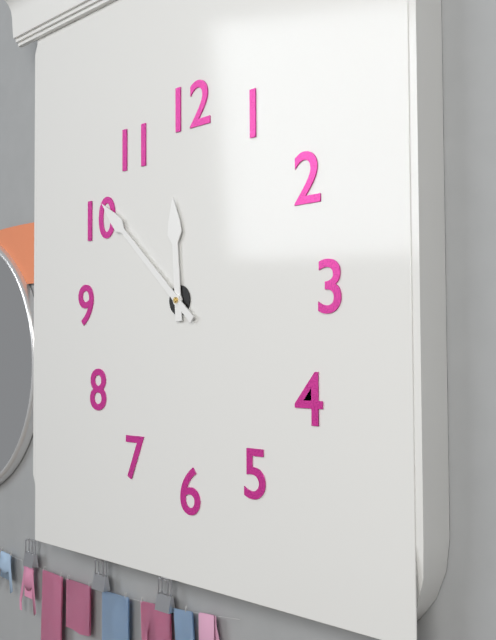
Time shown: **11:52**
